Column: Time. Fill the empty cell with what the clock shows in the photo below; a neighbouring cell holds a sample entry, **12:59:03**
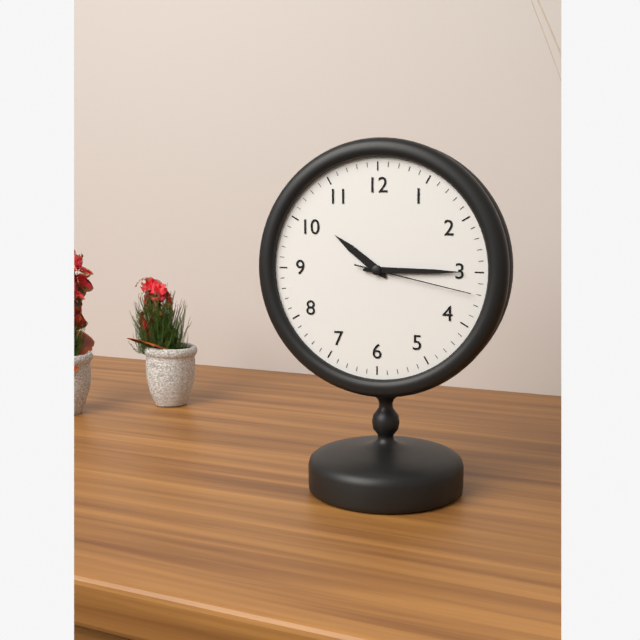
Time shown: **10:15:17**
